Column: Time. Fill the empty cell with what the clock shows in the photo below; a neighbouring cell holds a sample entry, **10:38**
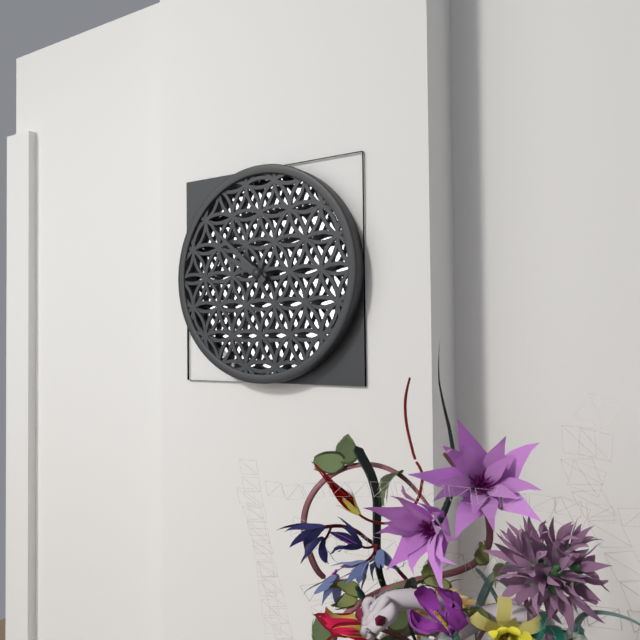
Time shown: **9:52**
